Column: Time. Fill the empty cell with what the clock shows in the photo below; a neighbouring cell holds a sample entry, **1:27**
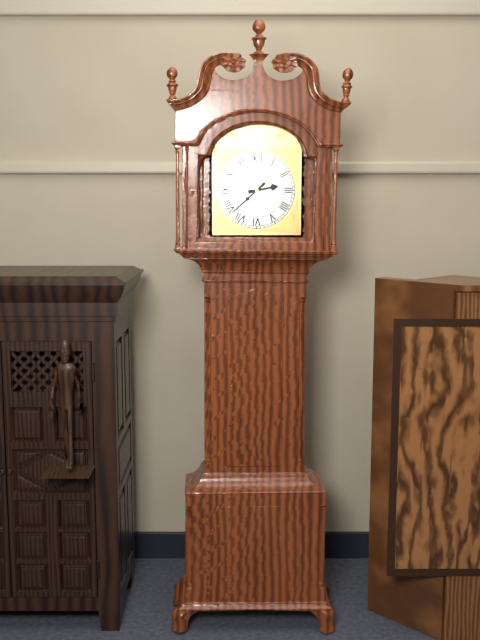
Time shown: **2:38**
